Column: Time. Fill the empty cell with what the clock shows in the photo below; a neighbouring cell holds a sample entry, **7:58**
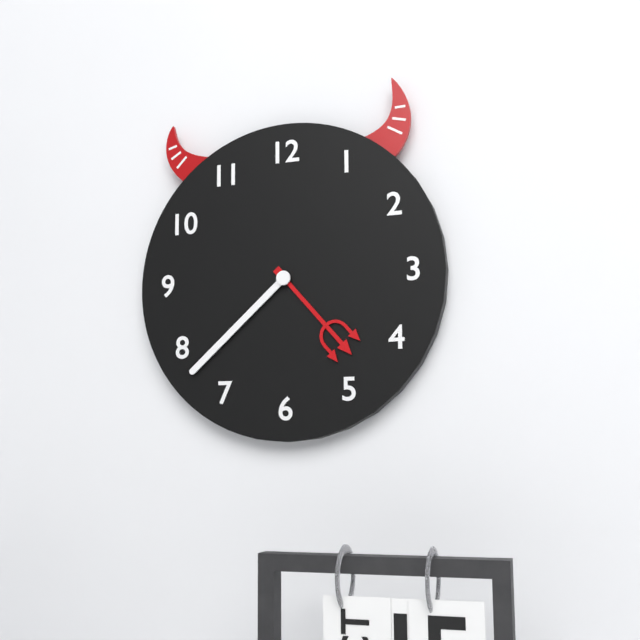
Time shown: **4:38**
